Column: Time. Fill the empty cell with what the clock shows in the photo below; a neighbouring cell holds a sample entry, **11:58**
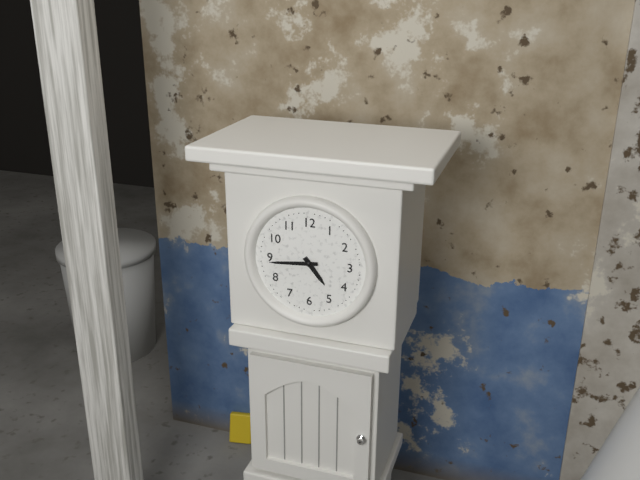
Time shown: **4:44**
